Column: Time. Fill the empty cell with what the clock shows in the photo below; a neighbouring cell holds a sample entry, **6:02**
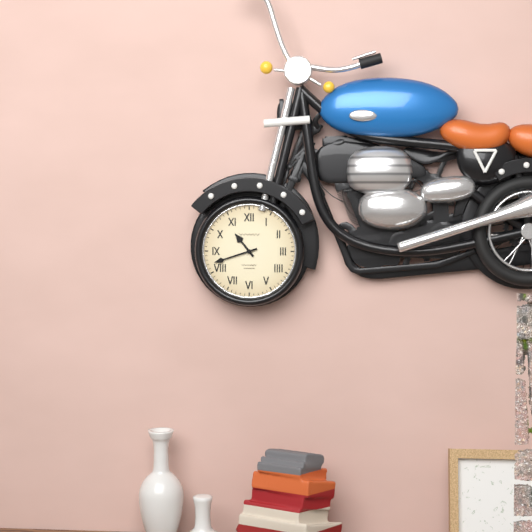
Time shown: **10:42**
